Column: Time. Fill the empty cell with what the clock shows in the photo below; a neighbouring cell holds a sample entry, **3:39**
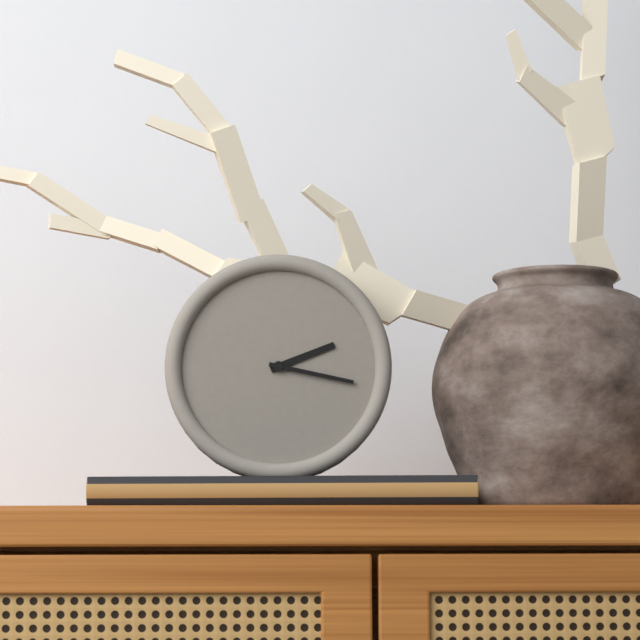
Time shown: **2:17**
